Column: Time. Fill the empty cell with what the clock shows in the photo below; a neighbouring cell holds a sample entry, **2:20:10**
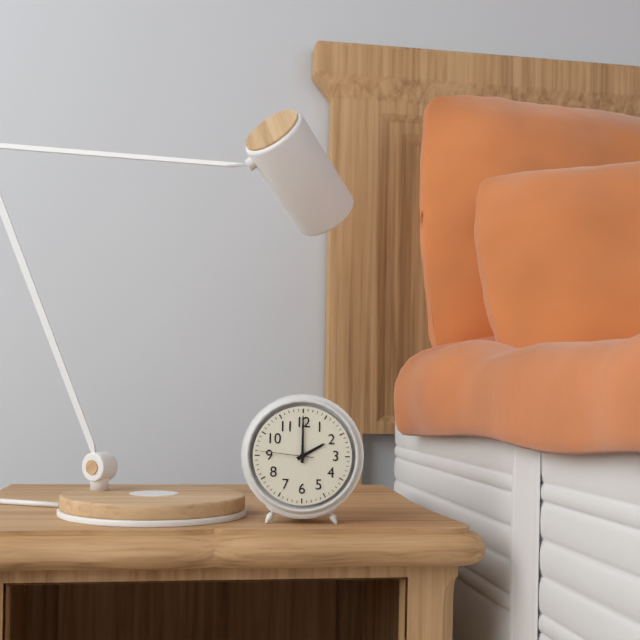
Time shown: **2:00:46**
